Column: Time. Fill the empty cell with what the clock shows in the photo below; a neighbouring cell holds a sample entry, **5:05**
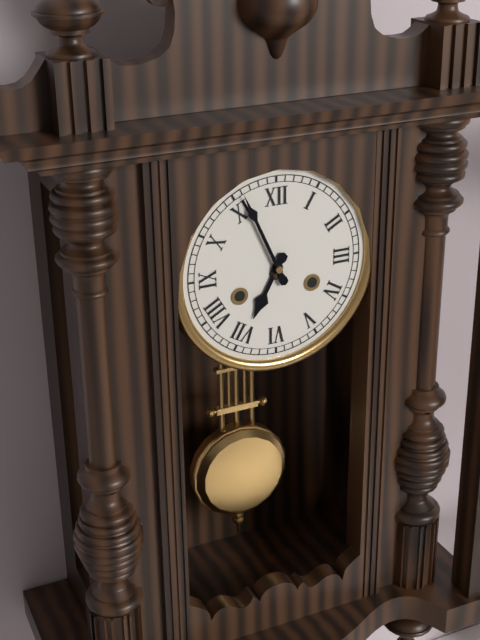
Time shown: **6:56**
